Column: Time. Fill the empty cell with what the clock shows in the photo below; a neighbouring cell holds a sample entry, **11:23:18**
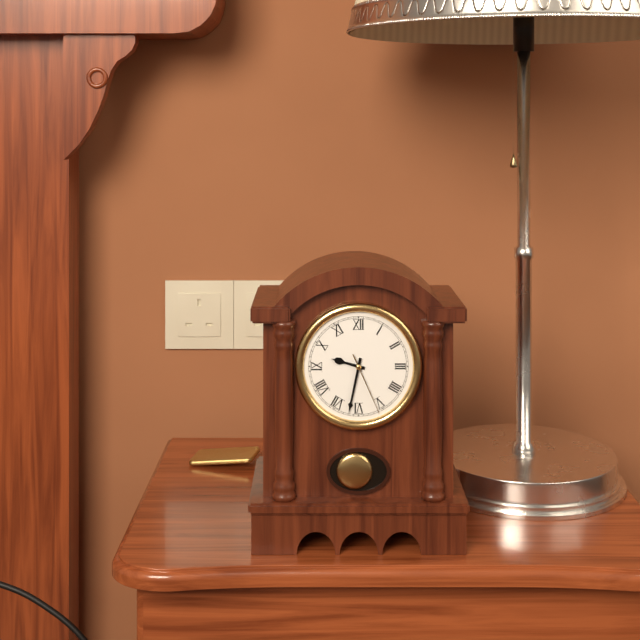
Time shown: **9:32:26**
